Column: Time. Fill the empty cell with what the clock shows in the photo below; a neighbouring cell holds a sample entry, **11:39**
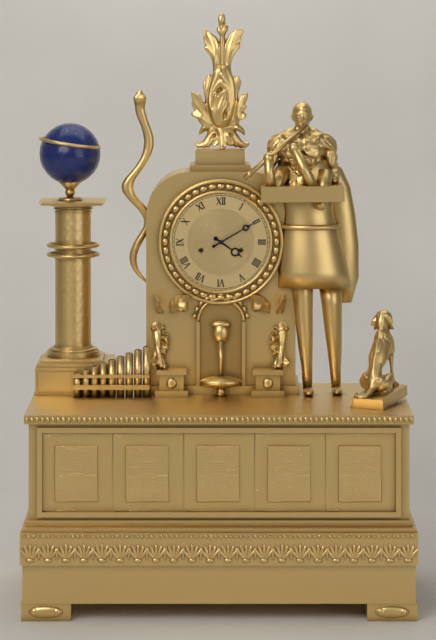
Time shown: **4:10**
